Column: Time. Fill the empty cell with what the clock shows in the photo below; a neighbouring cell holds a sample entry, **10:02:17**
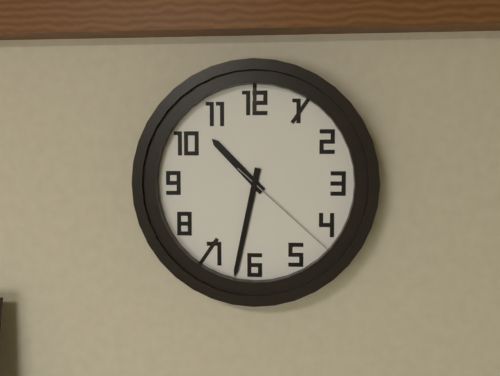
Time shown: **10:32:22**
